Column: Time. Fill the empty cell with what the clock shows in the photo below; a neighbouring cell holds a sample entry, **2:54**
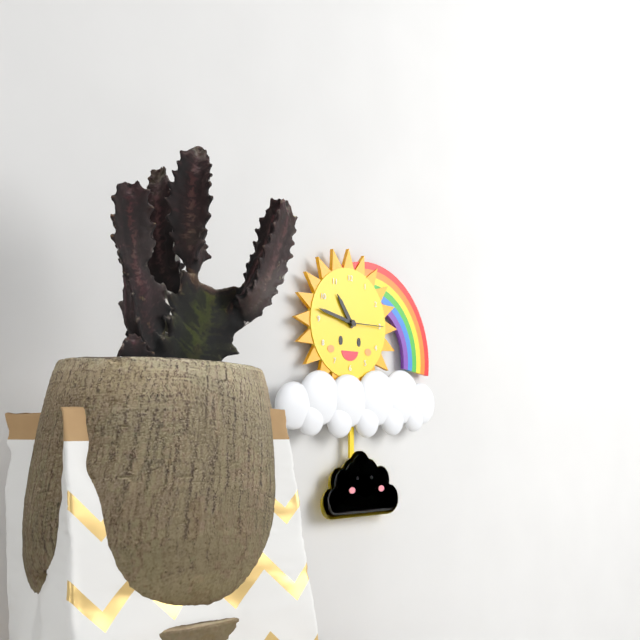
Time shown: **10:47**
